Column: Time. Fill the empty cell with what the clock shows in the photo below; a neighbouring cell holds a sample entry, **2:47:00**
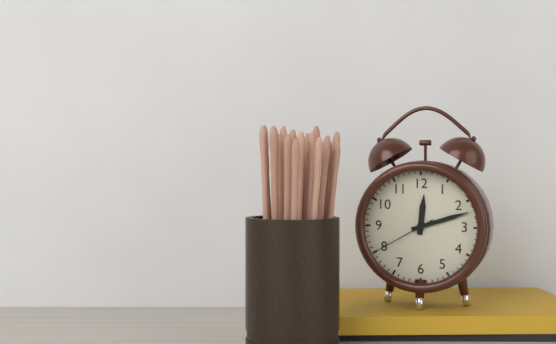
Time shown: **12:12:40**
